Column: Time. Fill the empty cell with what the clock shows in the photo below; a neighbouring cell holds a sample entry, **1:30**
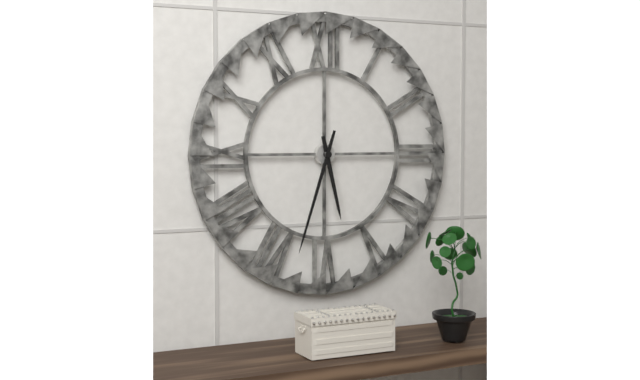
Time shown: **5:33**
